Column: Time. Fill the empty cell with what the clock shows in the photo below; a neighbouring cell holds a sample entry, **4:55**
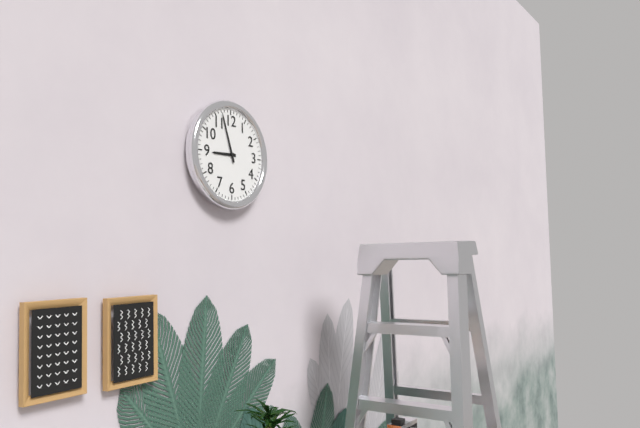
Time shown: **8:57**
